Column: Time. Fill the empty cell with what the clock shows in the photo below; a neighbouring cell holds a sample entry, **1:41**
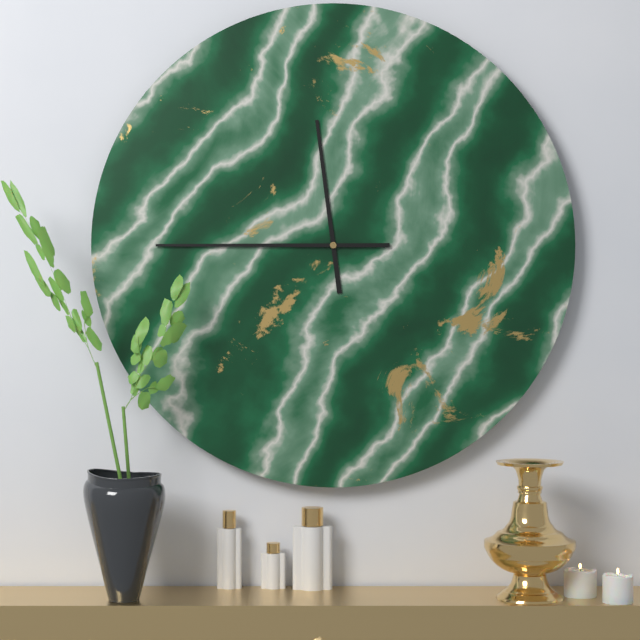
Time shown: **11:45**
